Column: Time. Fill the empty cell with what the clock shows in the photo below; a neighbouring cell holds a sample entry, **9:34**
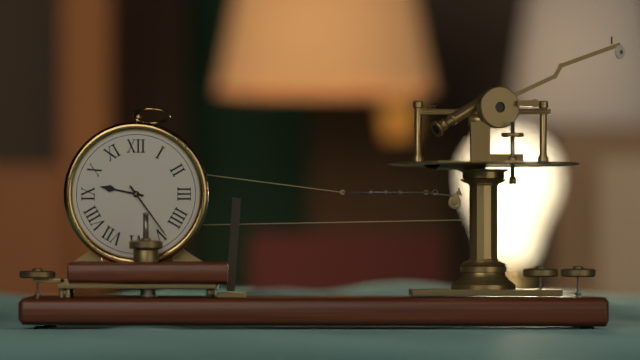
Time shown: **9:24**
